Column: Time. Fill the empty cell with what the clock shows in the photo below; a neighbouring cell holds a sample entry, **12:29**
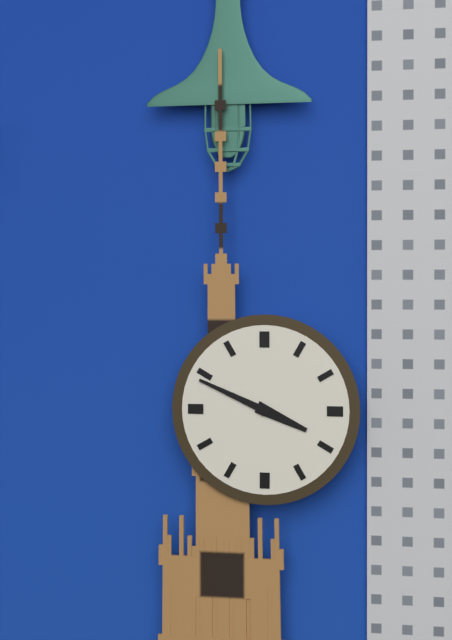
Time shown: **3:49**
